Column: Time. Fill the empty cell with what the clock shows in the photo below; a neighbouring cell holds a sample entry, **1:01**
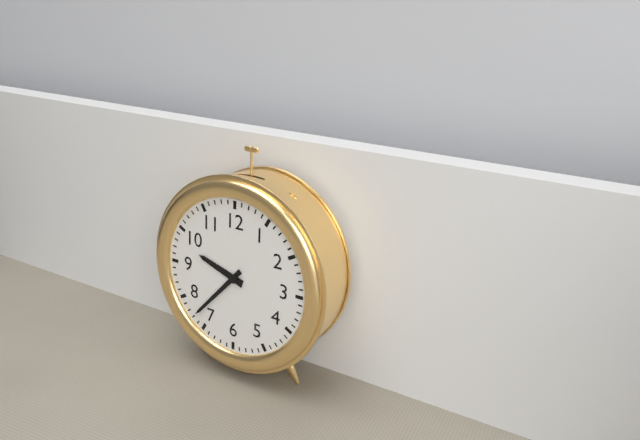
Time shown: **9:37**
